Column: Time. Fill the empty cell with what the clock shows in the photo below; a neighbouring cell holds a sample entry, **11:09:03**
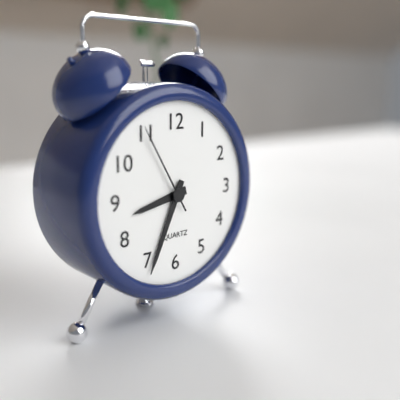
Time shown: **8:34:55**
